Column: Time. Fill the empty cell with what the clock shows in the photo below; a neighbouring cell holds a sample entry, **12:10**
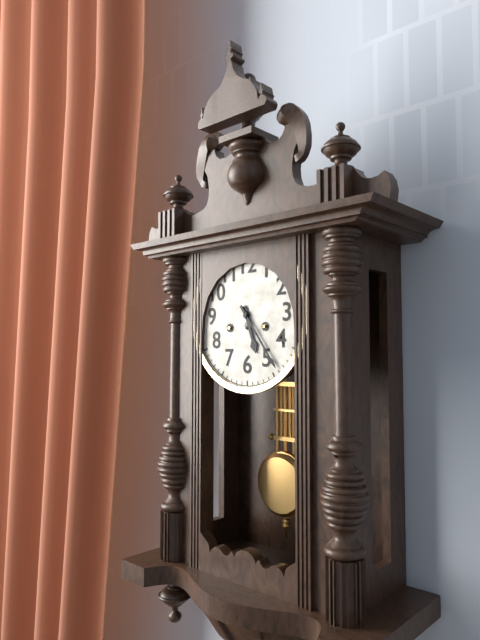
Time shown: **5:24**
